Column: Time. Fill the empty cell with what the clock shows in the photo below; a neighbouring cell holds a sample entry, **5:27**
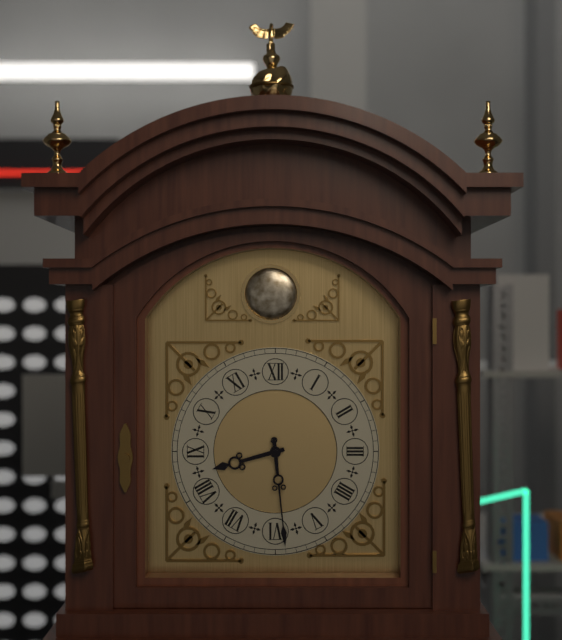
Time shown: **8:29**
